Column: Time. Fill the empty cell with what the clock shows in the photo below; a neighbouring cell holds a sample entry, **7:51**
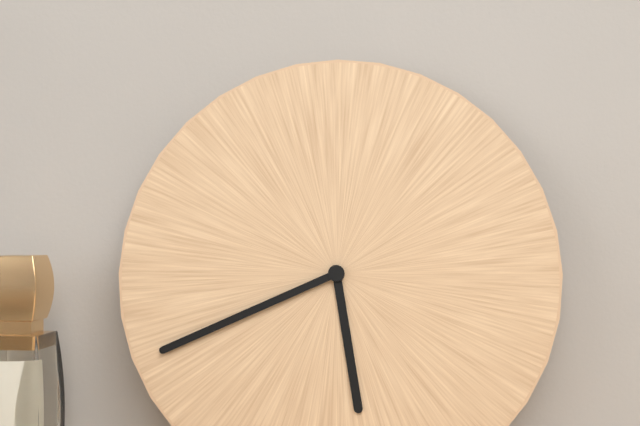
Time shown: **5:41**
